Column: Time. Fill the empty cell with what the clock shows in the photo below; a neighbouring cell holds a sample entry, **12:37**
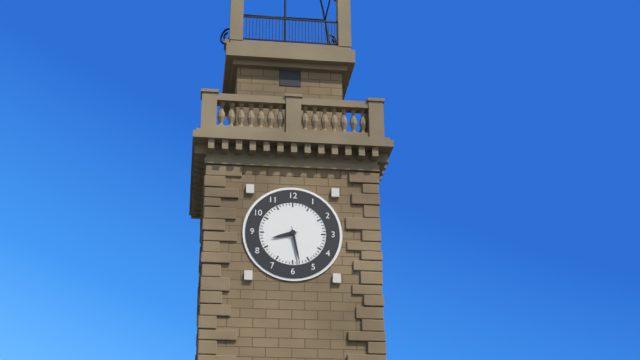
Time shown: **8:28**
